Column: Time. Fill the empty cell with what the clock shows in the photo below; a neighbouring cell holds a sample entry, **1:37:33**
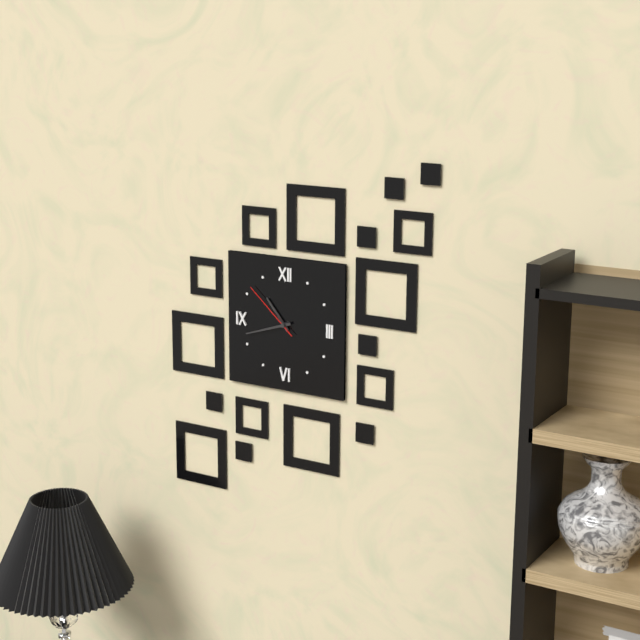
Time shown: **10:42:52**
